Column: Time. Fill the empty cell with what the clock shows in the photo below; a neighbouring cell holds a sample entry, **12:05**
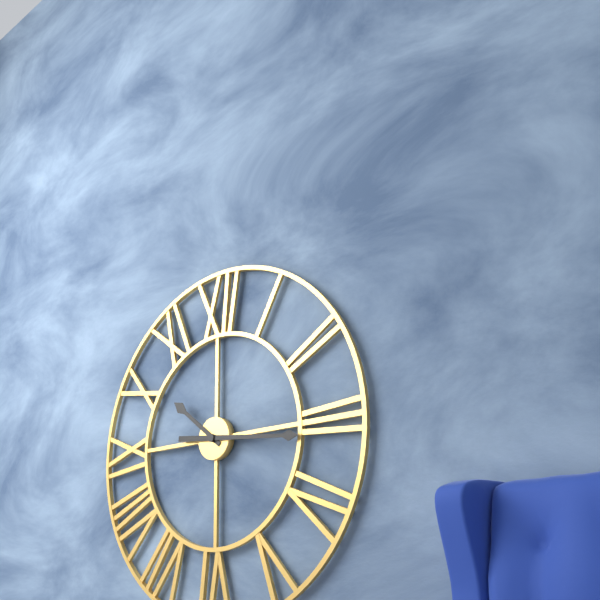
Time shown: **10:16**
